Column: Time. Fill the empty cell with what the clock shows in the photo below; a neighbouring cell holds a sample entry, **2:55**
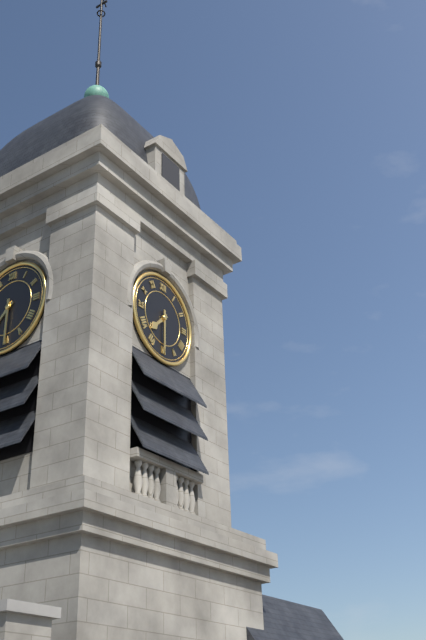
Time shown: **7:30**
